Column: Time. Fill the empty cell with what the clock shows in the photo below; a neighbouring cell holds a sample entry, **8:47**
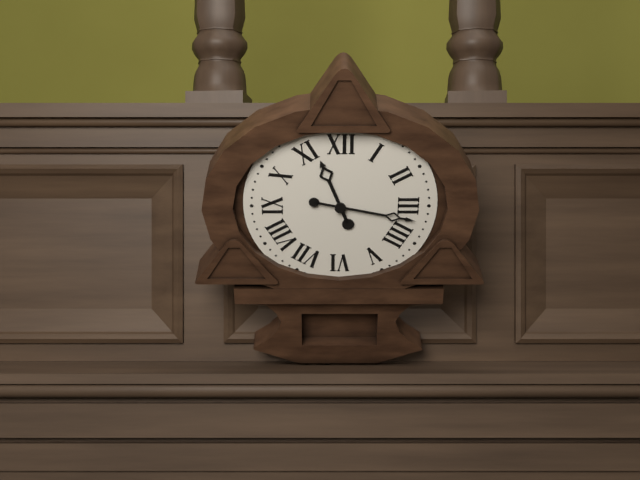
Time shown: **11:17**
